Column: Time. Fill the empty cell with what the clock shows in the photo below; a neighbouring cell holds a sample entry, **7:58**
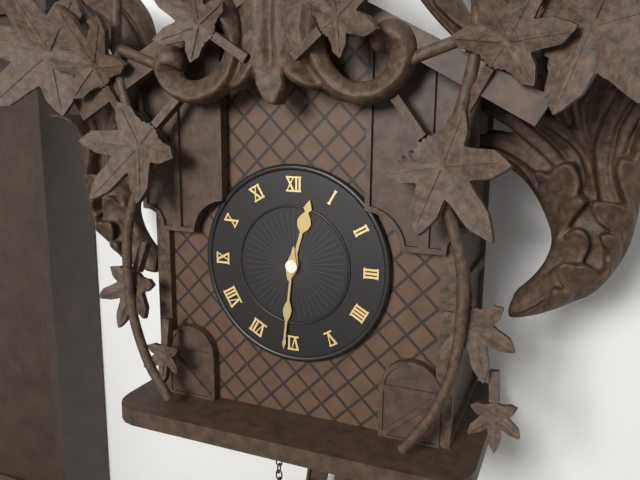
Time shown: **12:31**
